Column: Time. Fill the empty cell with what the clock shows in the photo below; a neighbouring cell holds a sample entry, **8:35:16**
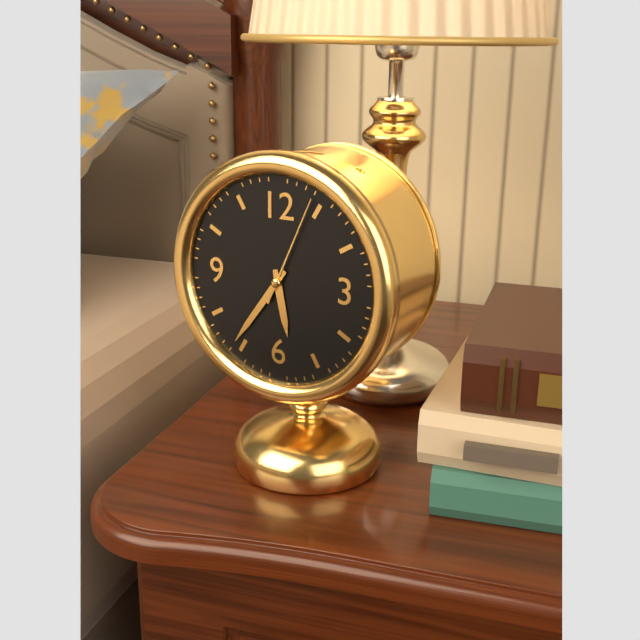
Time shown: **5:36:04**
